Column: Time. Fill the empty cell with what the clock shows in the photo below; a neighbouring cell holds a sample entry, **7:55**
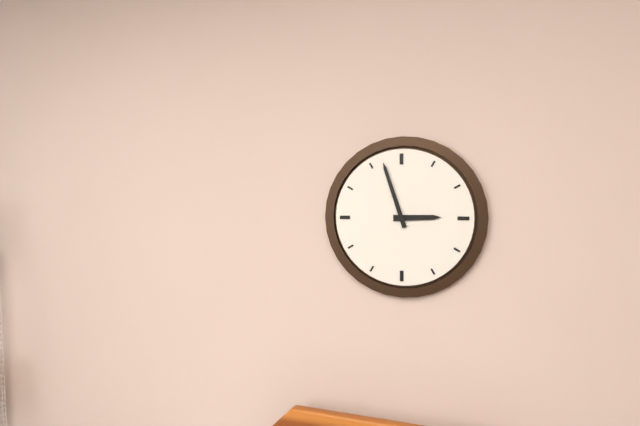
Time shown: **2:57**
